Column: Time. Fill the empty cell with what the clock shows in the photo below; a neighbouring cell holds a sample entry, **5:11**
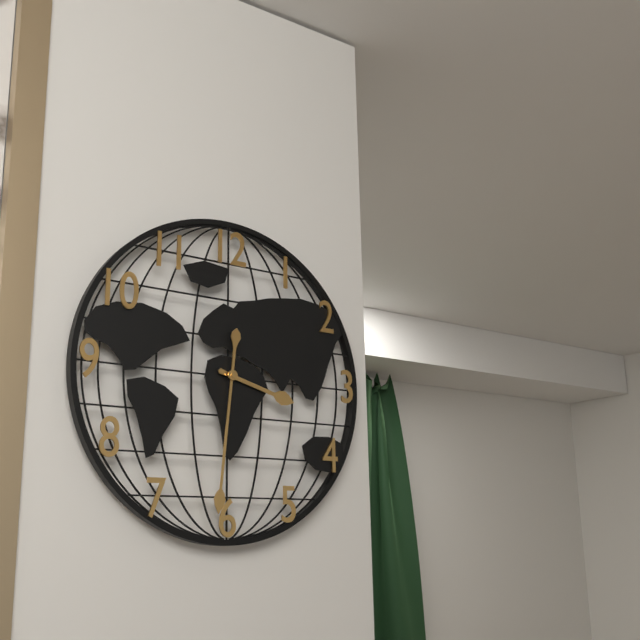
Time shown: **3:31**
